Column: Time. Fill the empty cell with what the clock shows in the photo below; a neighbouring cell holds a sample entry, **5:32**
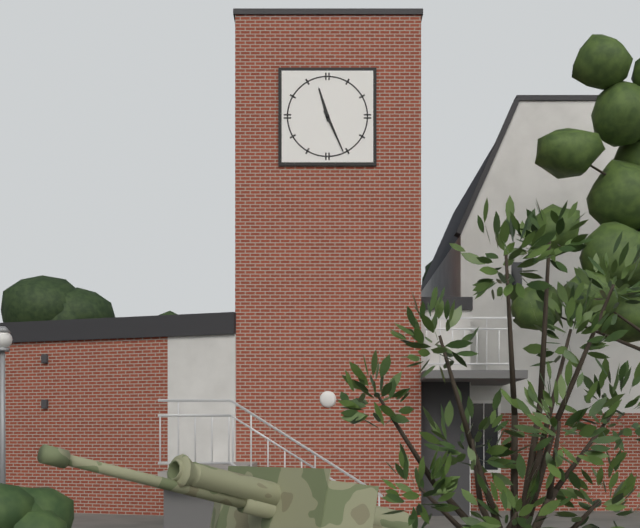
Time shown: **11:26**
